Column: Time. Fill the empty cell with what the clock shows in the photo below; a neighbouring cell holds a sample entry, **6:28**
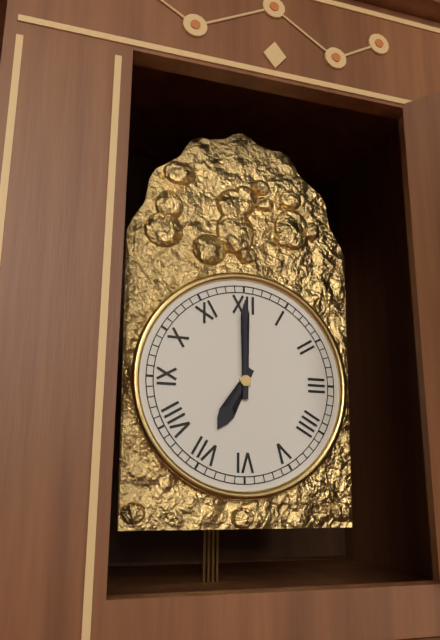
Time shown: **7:00**
